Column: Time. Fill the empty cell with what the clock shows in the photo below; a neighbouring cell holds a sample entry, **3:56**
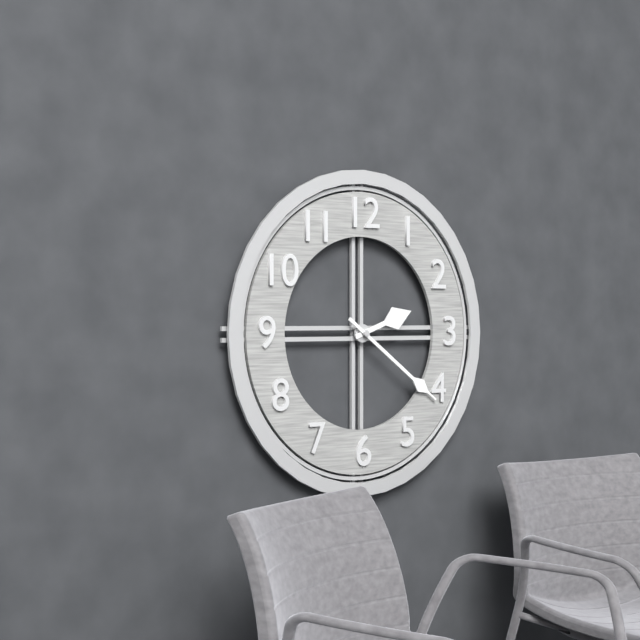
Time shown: **2:21**
